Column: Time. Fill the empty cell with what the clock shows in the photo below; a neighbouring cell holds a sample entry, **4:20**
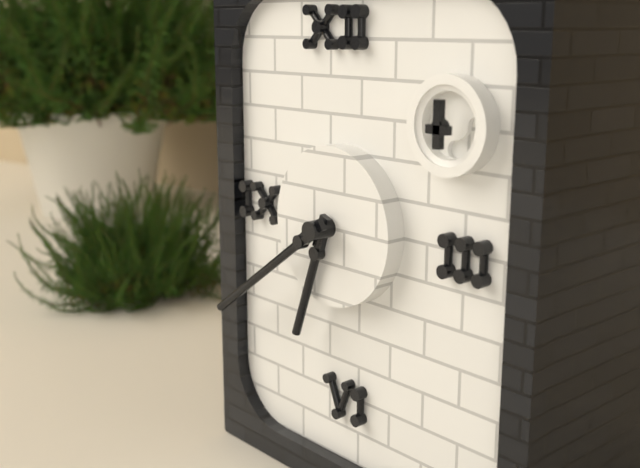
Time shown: **6:39**
